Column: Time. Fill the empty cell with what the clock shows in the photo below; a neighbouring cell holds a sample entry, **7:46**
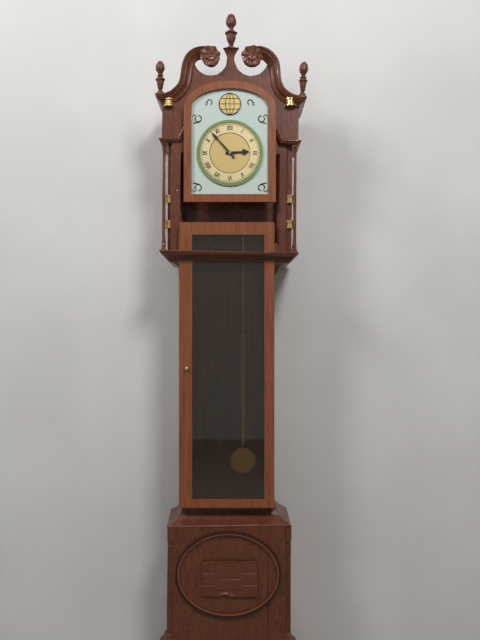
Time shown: **2:53**
